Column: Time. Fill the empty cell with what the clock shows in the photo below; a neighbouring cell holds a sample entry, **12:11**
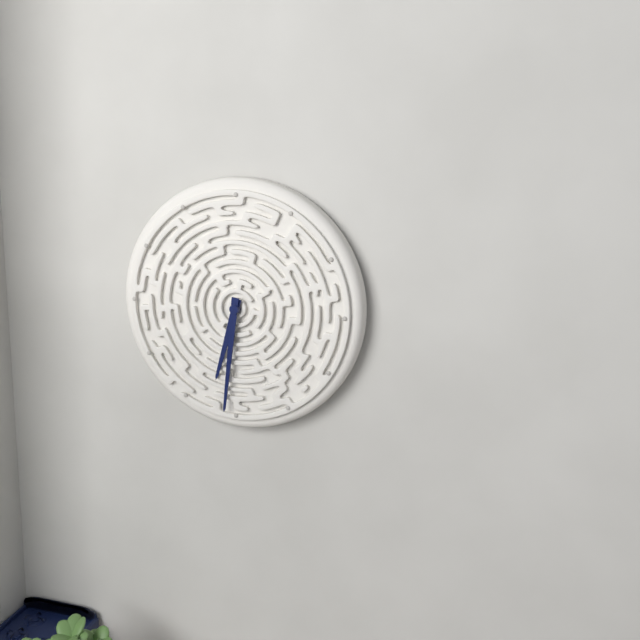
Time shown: **6:31**
